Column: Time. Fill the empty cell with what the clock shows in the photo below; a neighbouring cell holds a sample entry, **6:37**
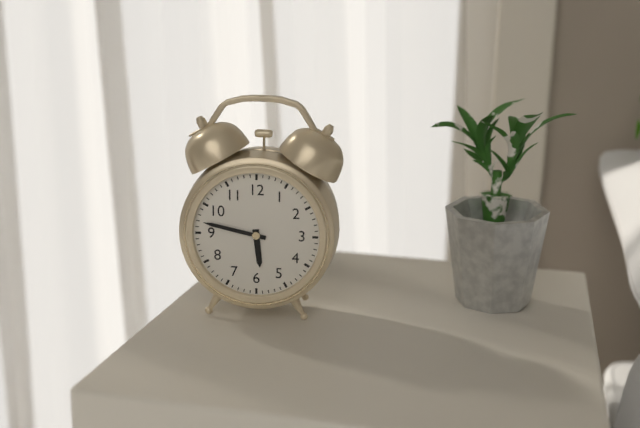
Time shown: **5:47**
